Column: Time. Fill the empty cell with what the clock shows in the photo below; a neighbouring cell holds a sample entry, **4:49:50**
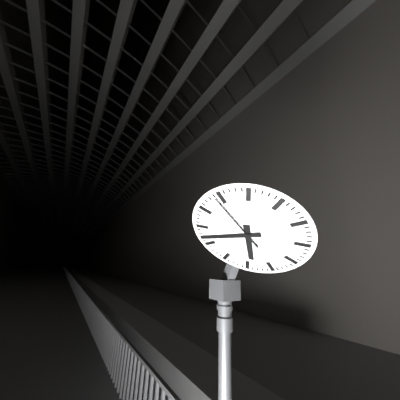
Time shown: **6:47:59**
